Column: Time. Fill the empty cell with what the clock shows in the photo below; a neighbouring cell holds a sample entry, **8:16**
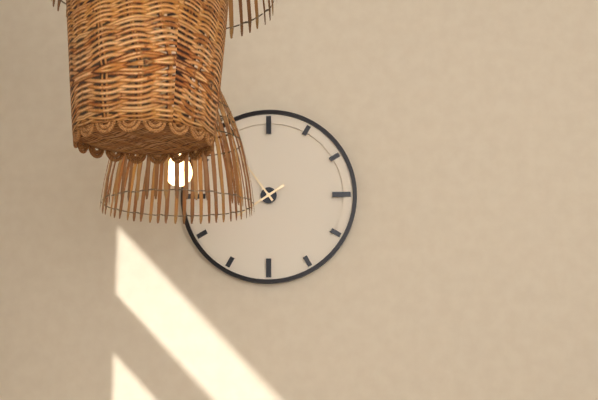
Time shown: **7:54**
